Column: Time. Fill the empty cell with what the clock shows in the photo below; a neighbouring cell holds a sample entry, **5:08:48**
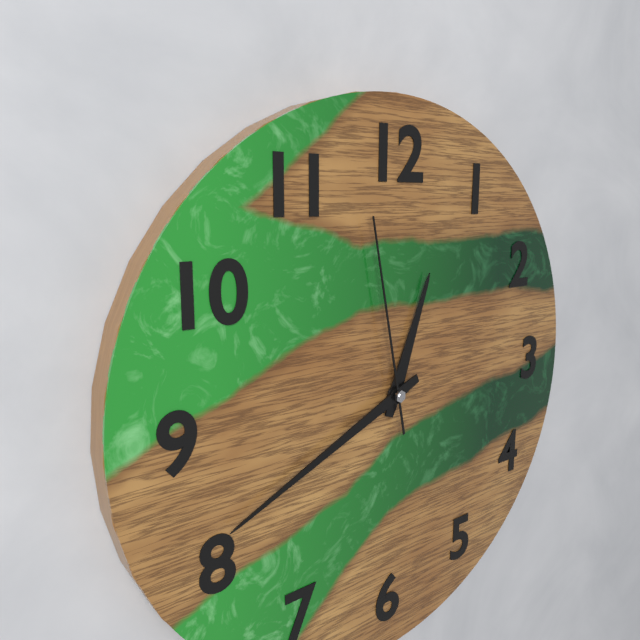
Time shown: **12:41:58**
